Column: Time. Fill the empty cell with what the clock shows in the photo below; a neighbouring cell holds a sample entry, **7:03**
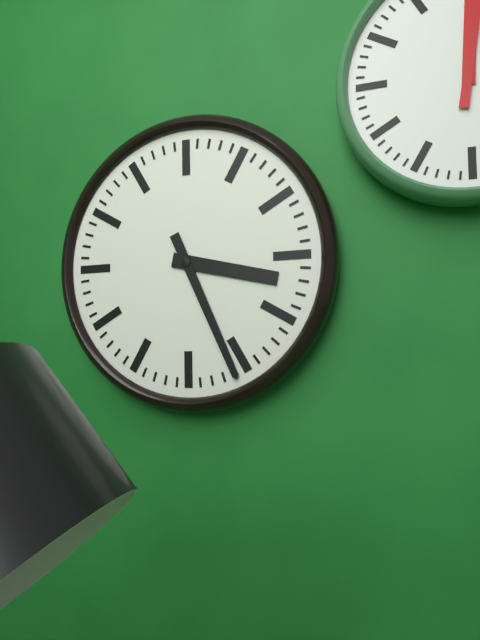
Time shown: **3:26**
